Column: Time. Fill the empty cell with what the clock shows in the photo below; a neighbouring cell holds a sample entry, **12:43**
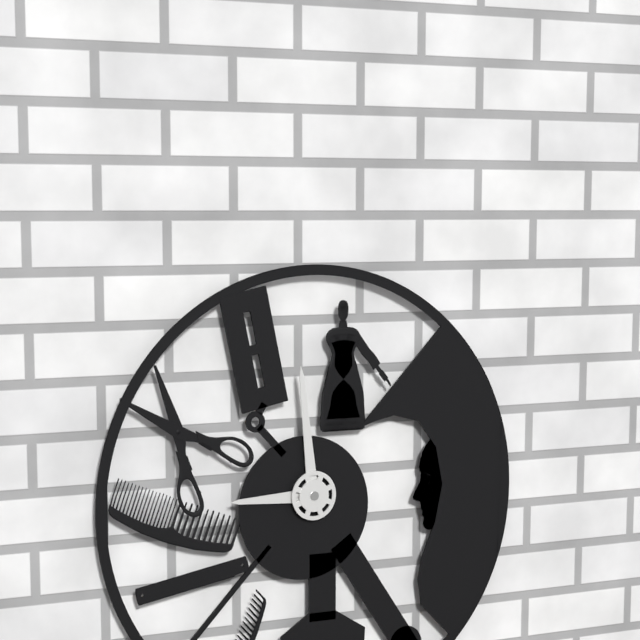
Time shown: **8:59**
